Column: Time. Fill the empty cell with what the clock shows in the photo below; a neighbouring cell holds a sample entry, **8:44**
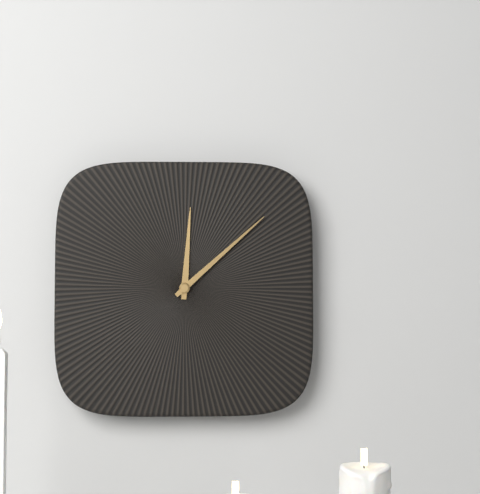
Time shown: **12:08**
